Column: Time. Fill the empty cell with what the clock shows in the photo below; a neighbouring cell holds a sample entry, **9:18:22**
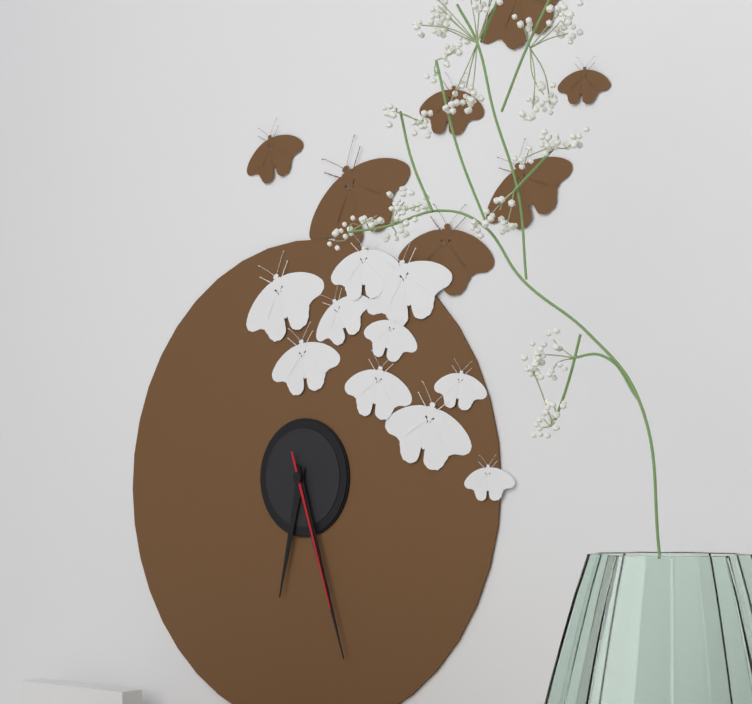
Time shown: **6:27:27**
